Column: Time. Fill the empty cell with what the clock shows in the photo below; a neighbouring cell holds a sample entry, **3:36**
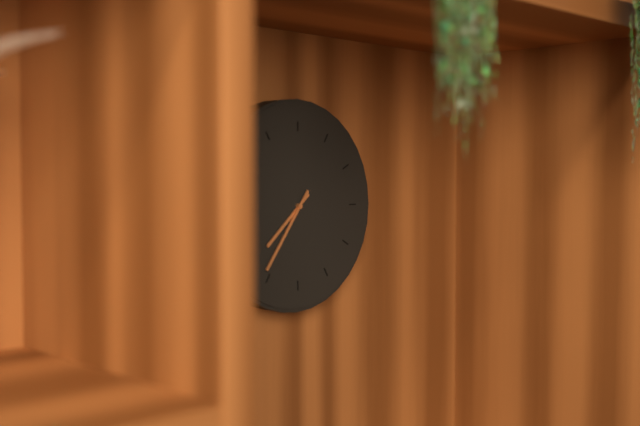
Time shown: **7:36**
